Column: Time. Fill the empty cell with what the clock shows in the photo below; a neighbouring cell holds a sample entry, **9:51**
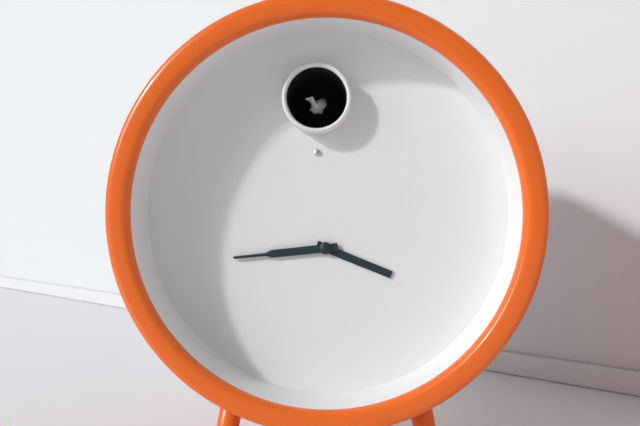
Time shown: **3:44**
